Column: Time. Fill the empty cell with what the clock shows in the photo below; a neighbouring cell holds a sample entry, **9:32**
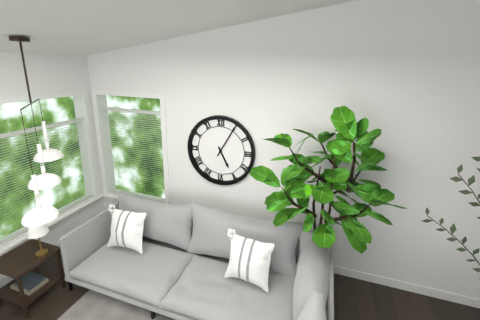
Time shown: **5:05**
